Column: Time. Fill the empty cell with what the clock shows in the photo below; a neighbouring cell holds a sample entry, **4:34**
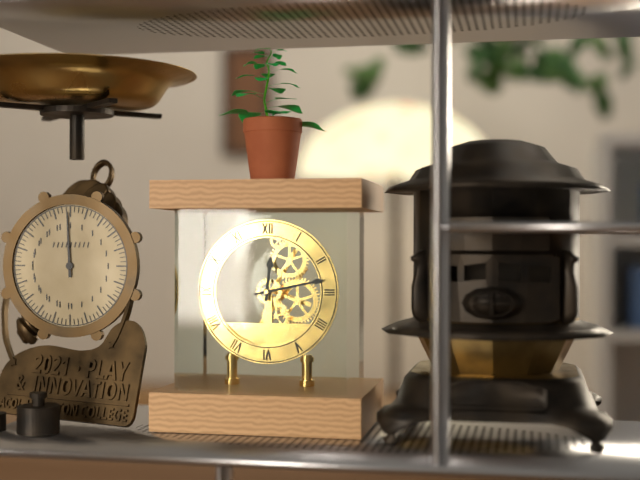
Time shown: **12:13**
